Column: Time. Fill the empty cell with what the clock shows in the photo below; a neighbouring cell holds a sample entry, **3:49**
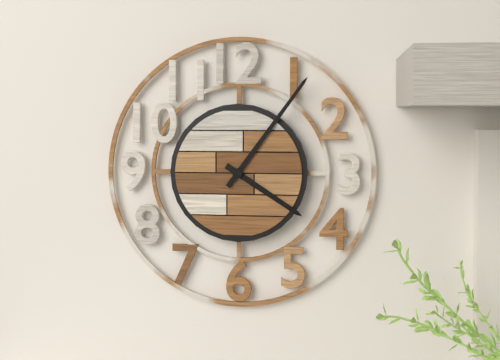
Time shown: **4:06**
